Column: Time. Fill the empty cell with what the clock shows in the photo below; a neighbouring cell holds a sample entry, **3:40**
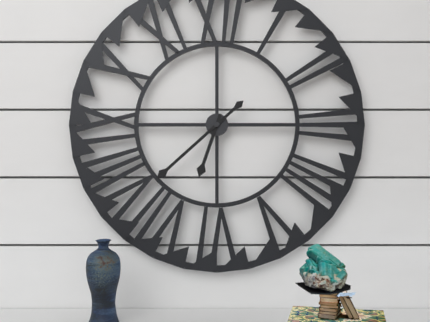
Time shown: **6:38**
